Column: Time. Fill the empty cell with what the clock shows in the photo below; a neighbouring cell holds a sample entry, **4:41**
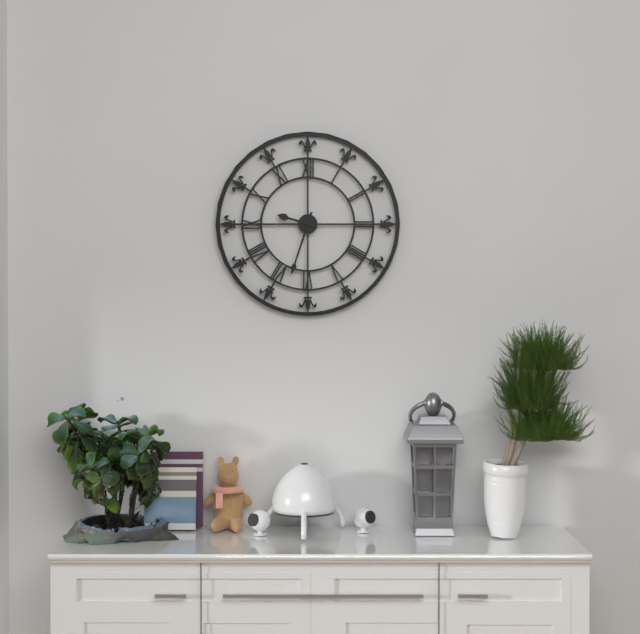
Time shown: **9:33**
